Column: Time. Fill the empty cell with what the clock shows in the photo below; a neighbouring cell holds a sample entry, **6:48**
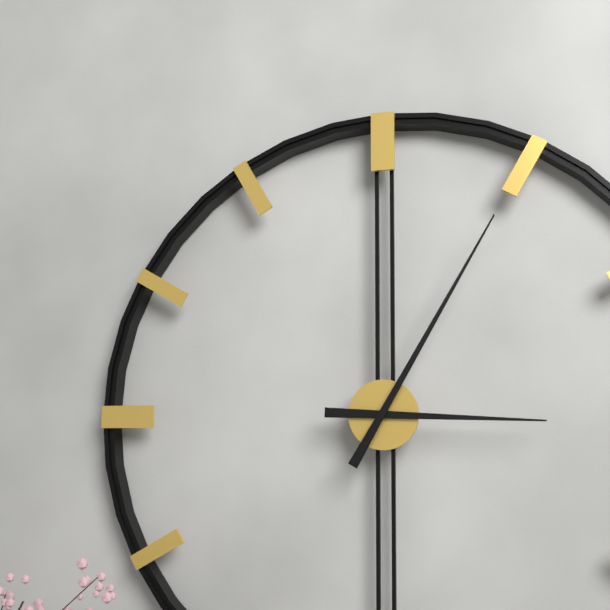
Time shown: **3:05**
